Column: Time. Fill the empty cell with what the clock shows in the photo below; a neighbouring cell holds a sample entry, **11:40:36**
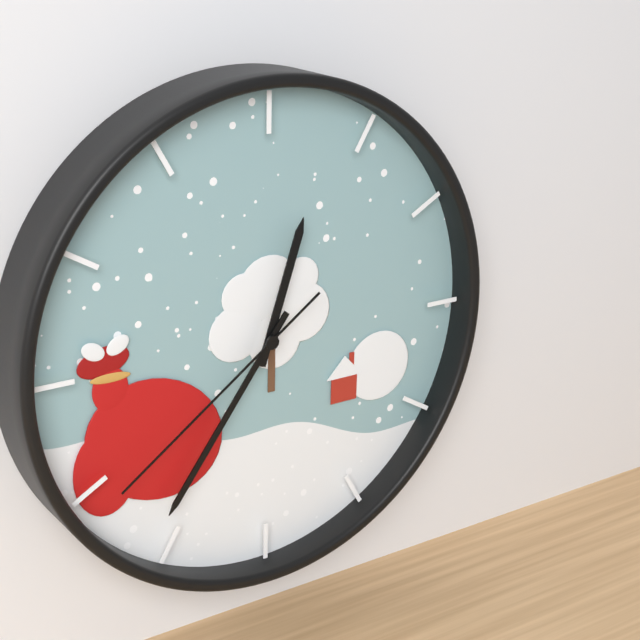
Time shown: **12:36:39**
